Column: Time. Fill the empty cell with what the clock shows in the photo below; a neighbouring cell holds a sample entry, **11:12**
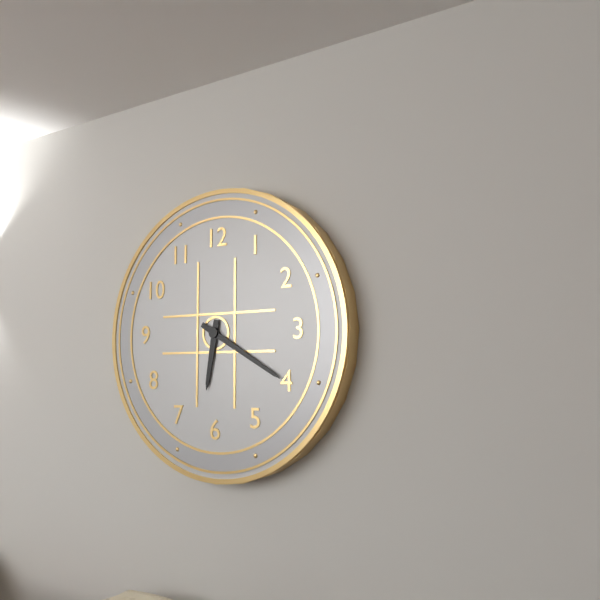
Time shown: **6:20**
